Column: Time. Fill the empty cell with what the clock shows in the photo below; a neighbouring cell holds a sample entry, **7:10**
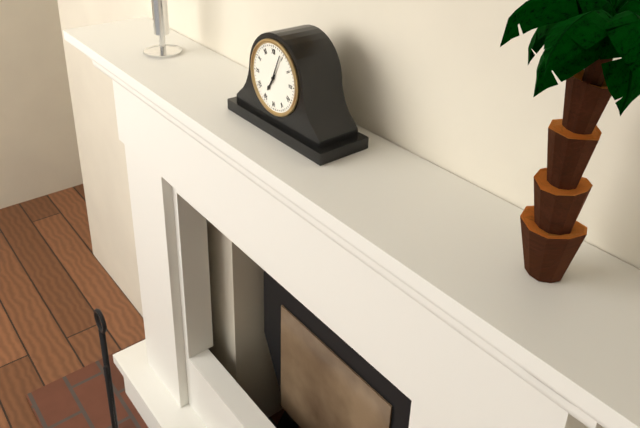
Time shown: **7:04**
